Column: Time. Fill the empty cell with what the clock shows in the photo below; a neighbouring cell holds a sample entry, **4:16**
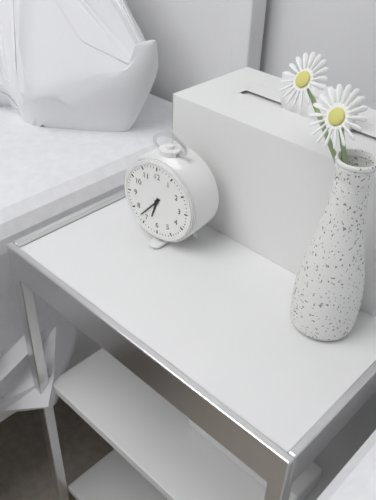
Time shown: **6:37**
